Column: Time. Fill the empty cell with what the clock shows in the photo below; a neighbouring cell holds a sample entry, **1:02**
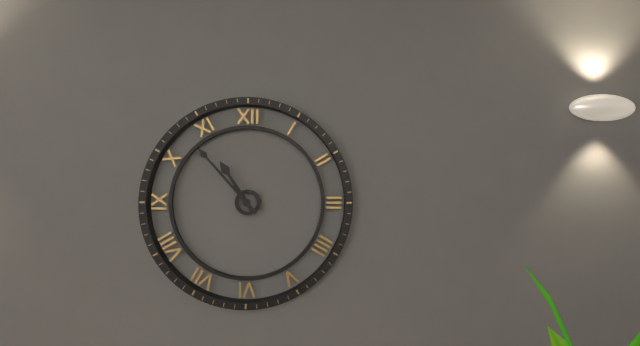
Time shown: **10:53**
